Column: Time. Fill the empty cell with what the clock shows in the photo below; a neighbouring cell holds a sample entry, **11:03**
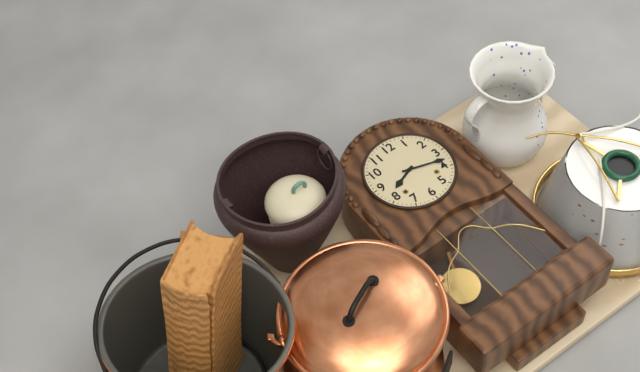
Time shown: **8:18**
